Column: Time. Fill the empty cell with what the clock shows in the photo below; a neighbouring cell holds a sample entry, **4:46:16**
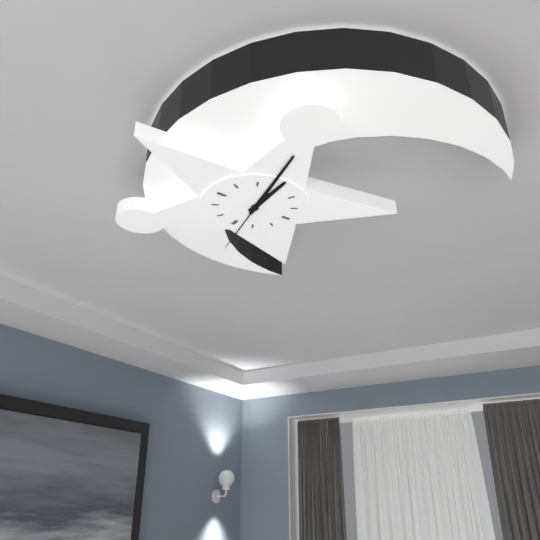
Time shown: **11:58:28**
